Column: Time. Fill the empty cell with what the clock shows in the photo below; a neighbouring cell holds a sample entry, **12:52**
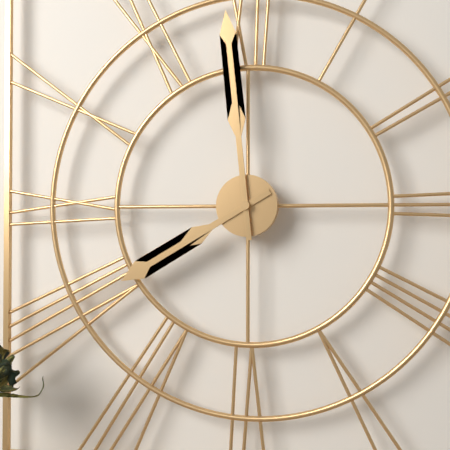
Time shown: **7:59**
